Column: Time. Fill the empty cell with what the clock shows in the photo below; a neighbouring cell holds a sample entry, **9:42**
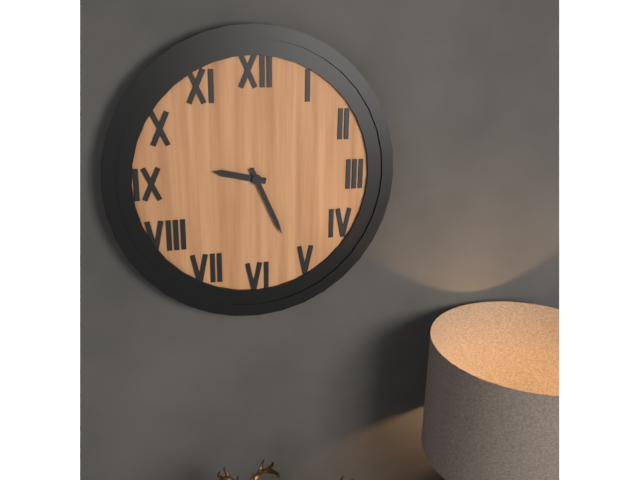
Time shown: **9:26**
